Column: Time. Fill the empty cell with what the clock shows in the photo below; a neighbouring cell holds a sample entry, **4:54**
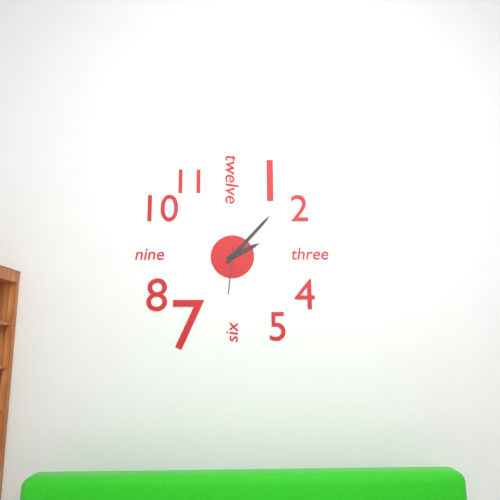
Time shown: **2:07**
